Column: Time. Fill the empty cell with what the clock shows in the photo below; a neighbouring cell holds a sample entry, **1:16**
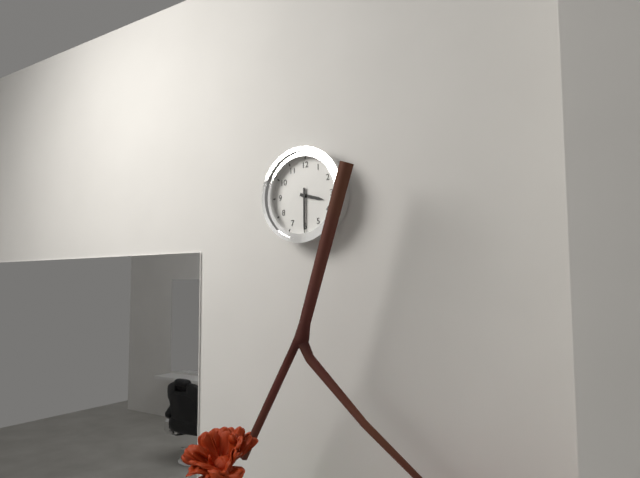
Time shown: **3:30**
